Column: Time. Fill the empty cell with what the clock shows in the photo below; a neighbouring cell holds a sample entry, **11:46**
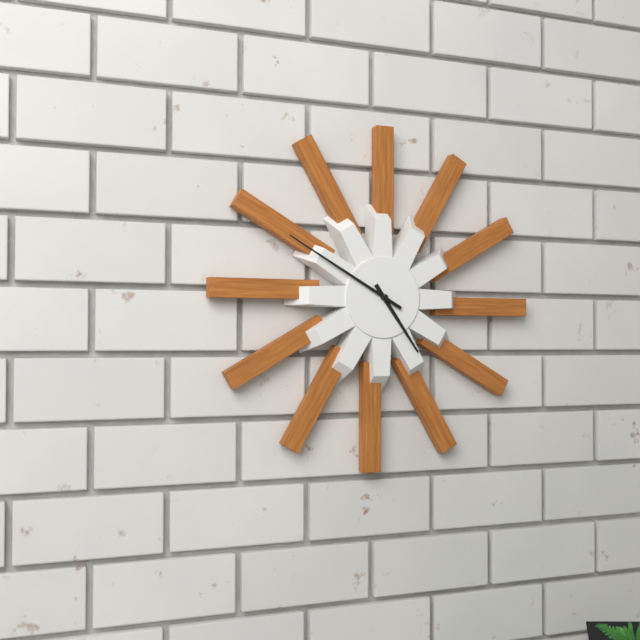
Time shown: **4:50**
